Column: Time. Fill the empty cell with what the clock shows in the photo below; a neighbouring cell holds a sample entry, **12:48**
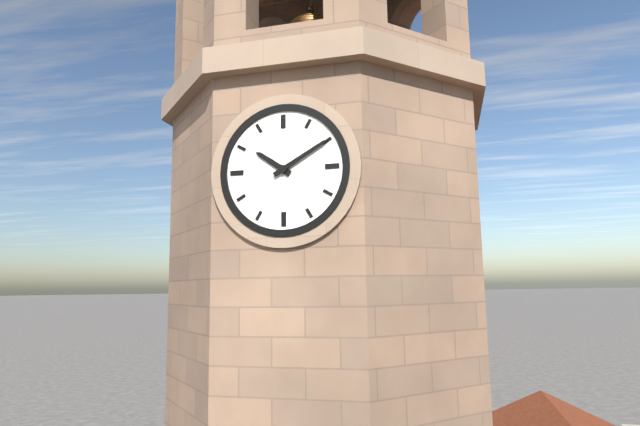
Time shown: **10:10**
